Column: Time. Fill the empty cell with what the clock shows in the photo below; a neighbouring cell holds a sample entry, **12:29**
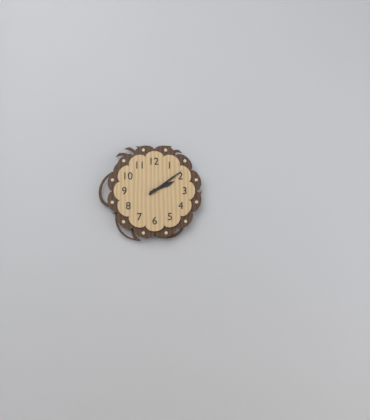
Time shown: **2:09**
